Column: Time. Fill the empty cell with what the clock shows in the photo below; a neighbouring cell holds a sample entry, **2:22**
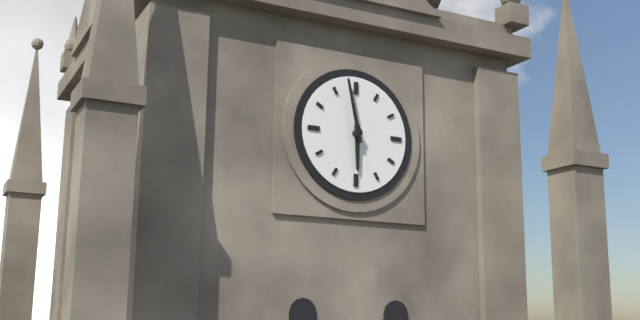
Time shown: **5:58**
